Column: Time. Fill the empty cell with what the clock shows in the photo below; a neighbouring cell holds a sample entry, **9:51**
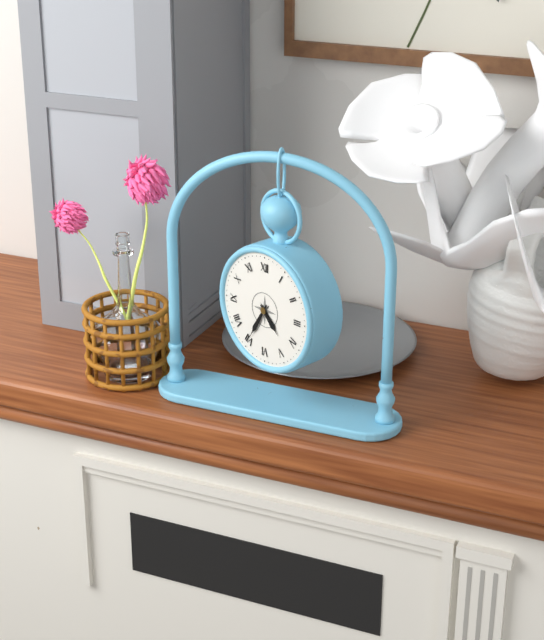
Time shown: **4:35**
